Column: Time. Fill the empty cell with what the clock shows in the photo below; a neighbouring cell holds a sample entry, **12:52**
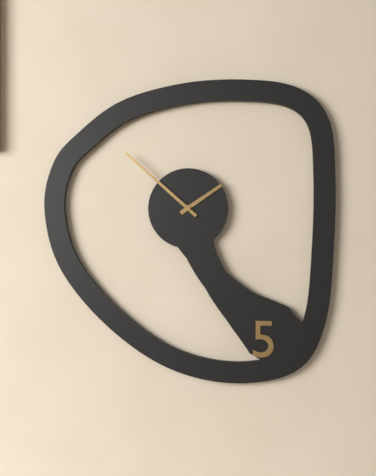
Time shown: **1:52**
